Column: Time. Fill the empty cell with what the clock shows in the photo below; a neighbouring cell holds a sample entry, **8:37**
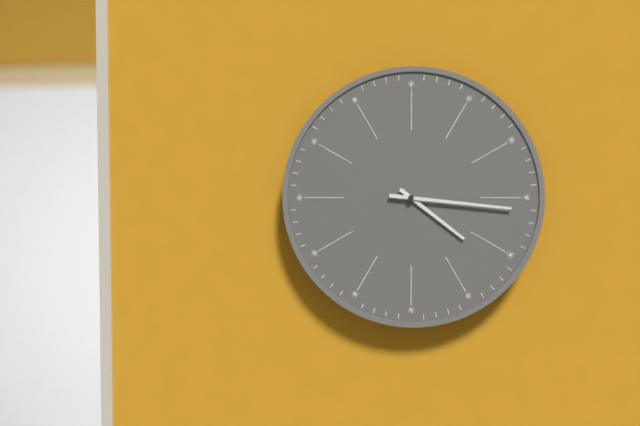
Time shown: **4:16**
